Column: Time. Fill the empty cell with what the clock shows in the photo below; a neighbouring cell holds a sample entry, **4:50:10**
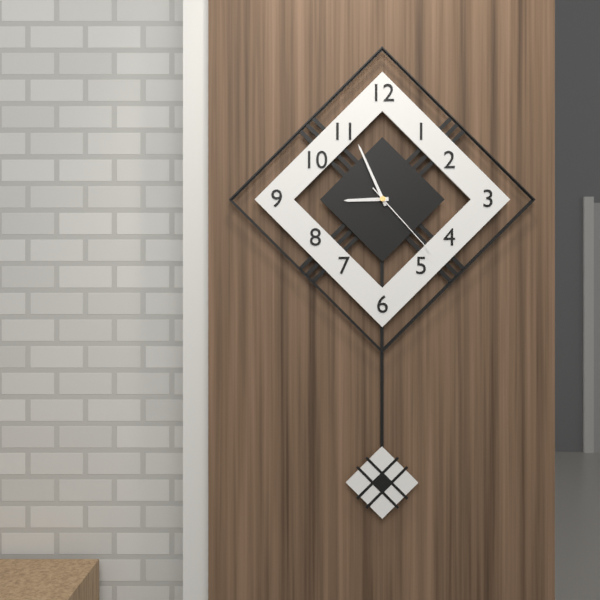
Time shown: **8:56:23**
